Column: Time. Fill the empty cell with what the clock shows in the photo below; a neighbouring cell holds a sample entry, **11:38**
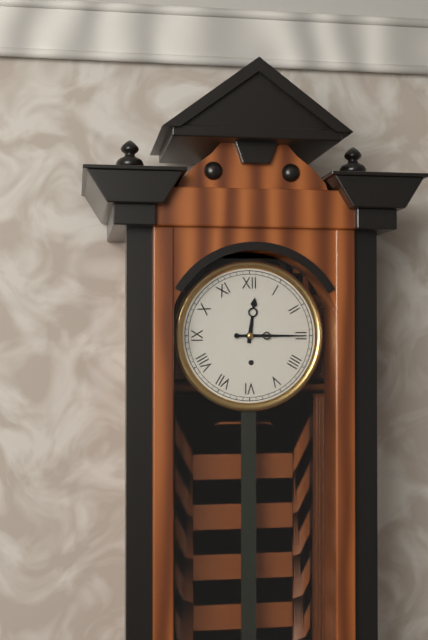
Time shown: **12:15**
